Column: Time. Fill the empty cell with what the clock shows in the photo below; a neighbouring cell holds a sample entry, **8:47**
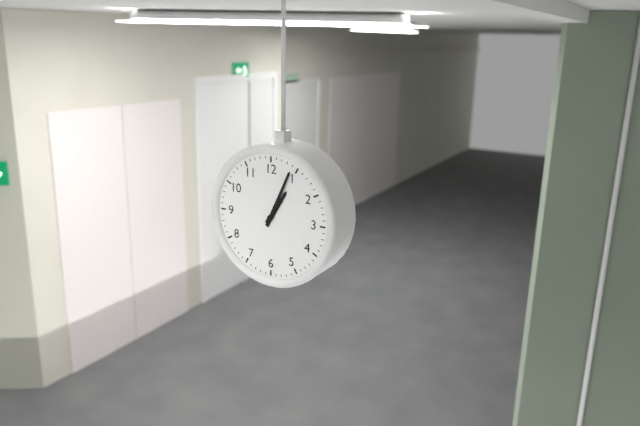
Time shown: **1:04**
